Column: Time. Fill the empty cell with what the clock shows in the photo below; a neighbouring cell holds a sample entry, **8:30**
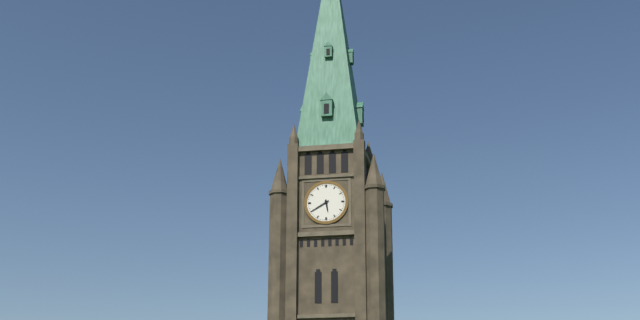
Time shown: **5:40**
